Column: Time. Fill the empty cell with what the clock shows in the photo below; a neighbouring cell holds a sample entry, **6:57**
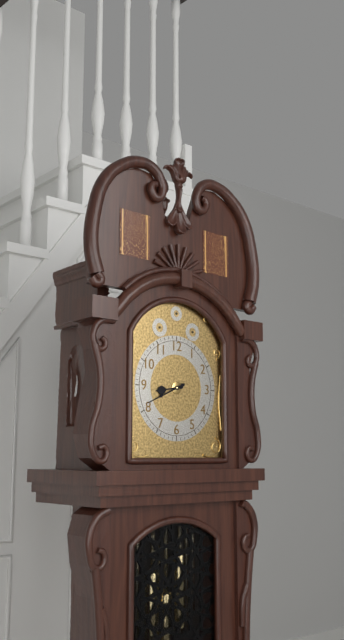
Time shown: **8:41**
